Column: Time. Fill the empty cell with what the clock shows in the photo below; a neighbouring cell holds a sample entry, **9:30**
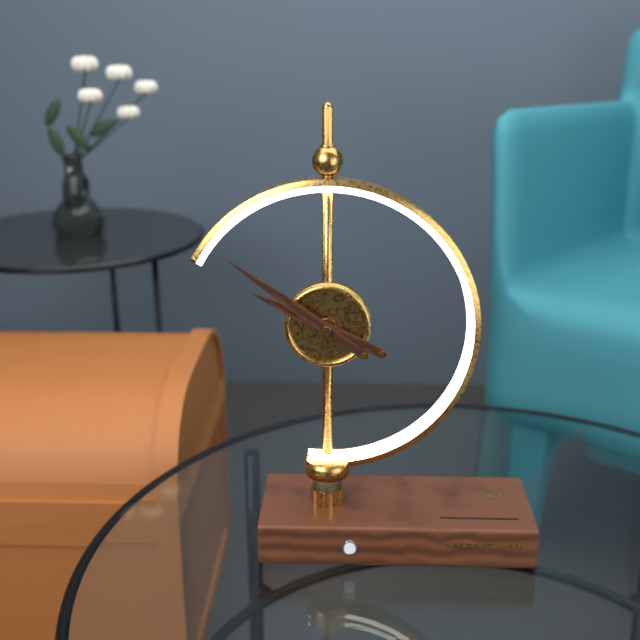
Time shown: **9:51**
